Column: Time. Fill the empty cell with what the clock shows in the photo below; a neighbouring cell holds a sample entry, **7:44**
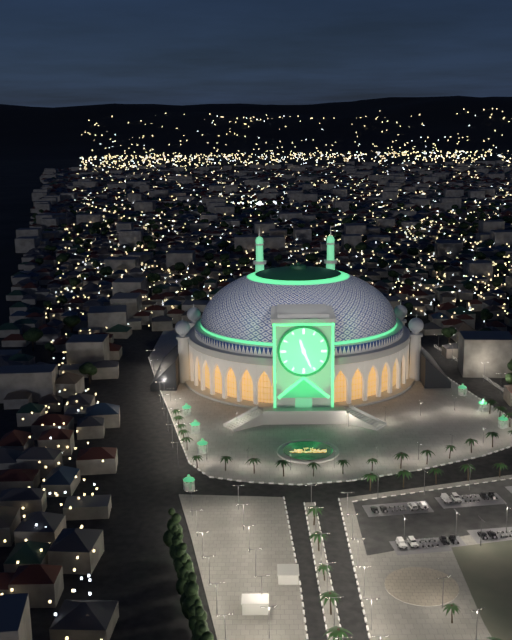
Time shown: **11:26**
